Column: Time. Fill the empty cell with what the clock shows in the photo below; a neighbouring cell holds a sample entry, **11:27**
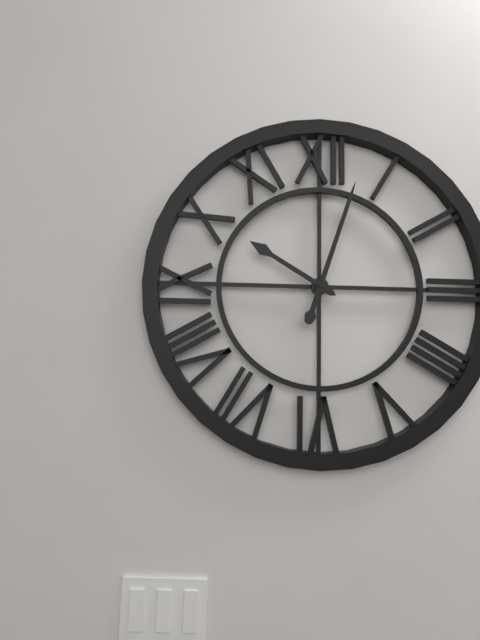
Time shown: **10:03**
